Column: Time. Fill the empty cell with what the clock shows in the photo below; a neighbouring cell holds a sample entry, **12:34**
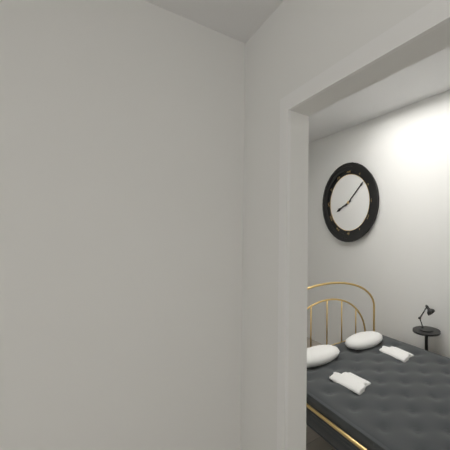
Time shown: **8:08**
